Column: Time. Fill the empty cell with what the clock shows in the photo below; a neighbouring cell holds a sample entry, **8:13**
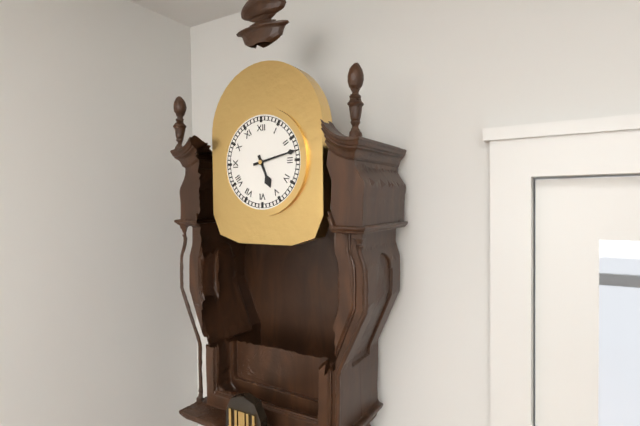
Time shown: **5:13**
